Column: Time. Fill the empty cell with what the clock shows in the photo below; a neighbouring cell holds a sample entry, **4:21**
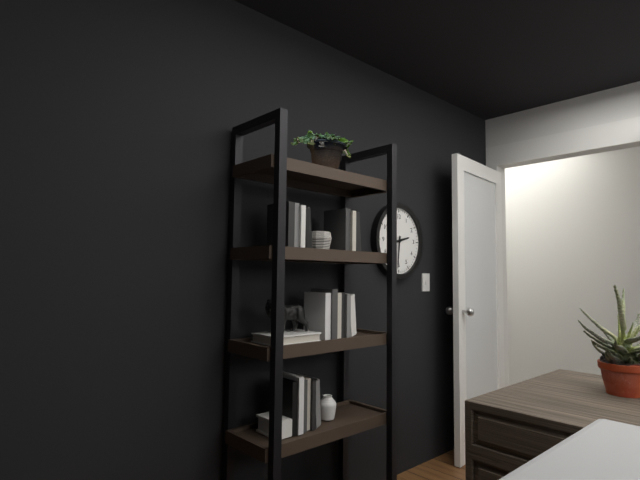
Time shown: **2:31**
